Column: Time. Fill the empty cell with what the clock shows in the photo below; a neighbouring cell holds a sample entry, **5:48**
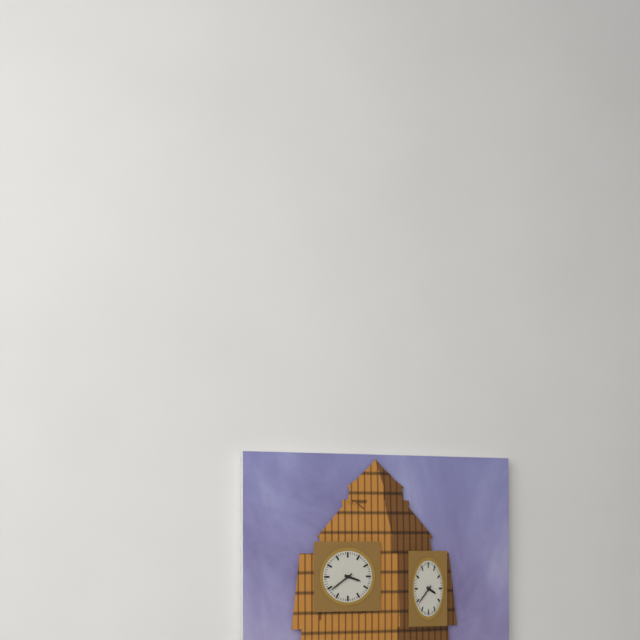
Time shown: **3:39**
